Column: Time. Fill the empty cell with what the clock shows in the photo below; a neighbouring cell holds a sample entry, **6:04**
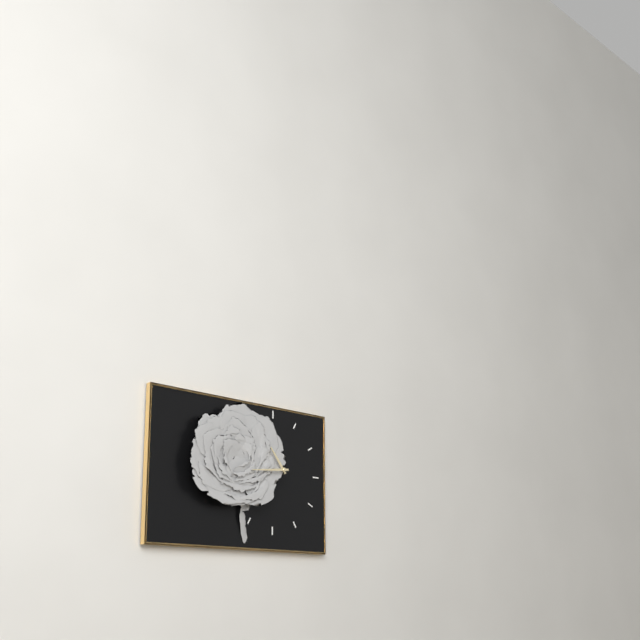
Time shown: **10:44**
